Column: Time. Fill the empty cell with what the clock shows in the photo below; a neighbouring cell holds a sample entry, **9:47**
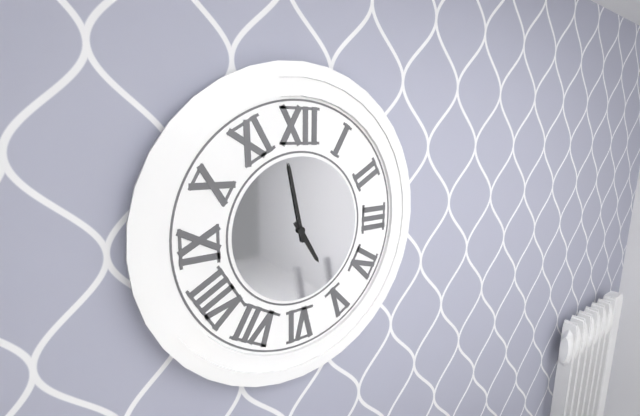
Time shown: **4:58**
